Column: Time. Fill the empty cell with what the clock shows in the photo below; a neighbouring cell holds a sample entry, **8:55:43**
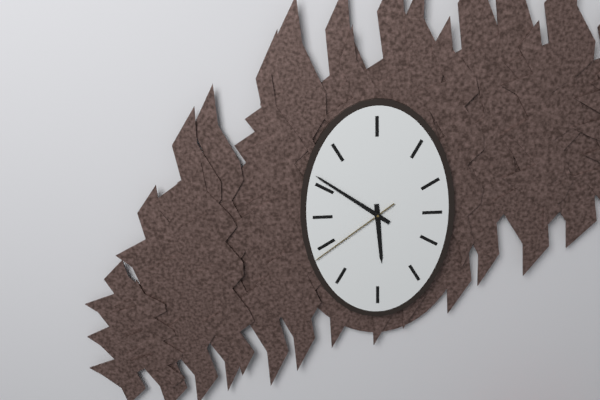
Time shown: **5:51:39**
